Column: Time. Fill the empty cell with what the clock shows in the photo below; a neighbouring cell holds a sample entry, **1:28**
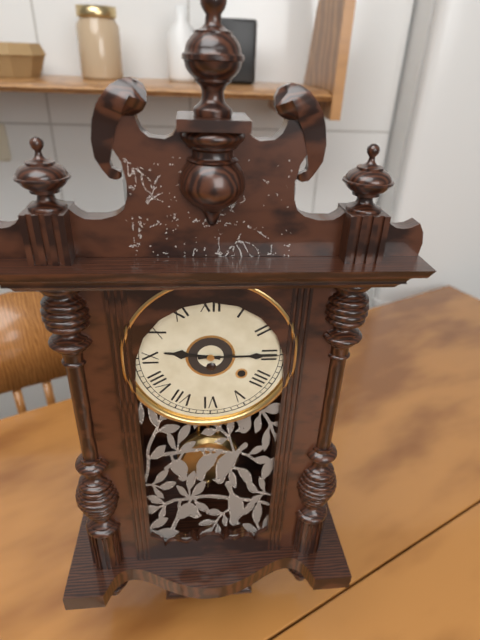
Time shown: **9:15**
